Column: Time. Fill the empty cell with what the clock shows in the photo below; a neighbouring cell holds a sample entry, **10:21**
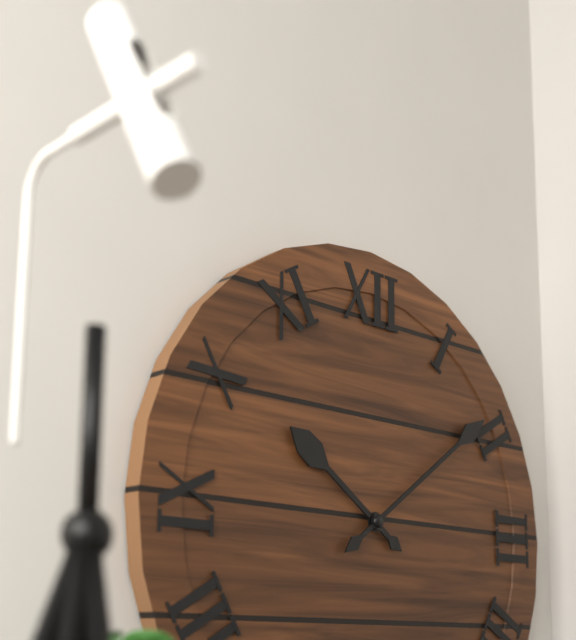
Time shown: **10:09**
